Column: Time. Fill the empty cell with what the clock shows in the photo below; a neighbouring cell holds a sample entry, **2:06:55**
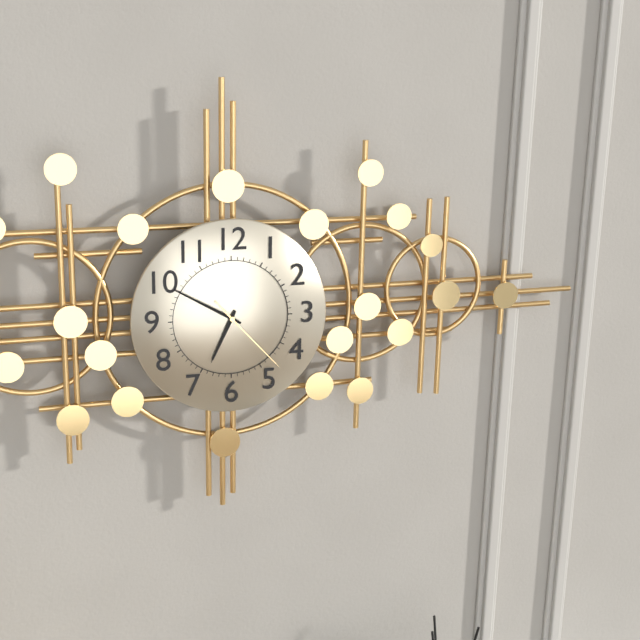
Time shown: **6:50:23**
